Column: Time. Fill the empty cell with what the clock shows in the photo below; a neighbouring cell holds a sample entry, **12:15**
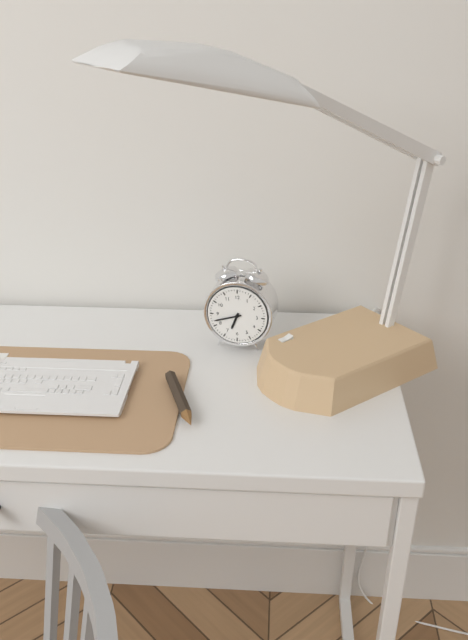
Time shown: **6:42**
